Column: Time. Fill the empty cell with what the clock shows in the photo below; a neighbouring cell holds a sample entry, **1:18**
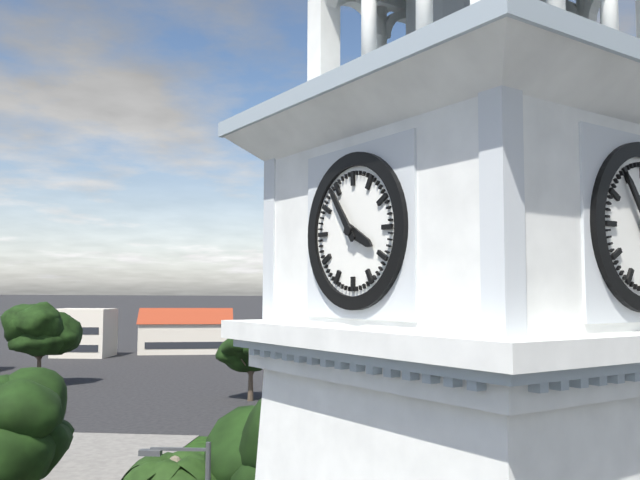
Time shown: **3:54**
